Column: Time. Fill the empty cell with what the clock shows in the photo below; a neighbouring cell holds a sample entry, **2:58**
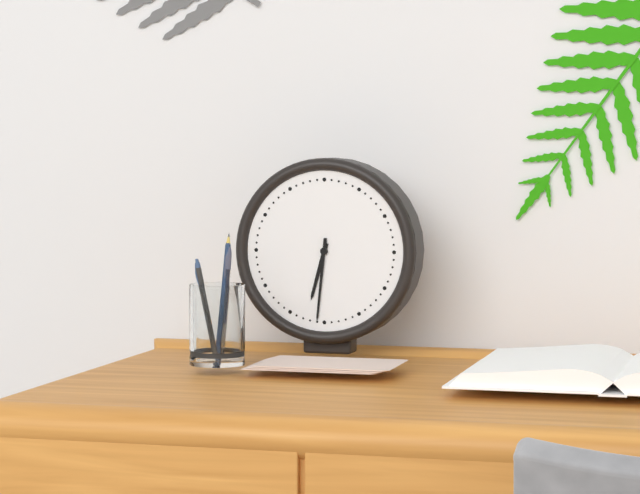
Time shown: **6:31**
